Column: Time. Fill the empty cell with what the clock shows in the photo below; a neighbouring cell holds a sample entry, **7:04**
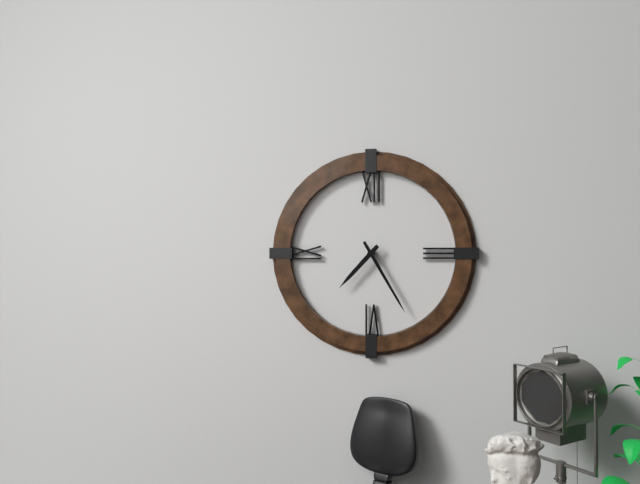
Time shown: **7:25**
